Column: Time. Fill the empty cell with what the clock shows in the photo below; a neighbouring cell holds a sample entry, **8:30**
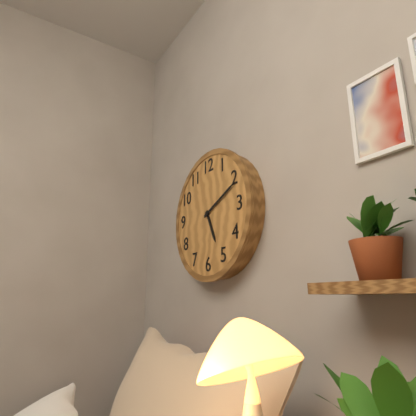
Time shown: **5:11**
